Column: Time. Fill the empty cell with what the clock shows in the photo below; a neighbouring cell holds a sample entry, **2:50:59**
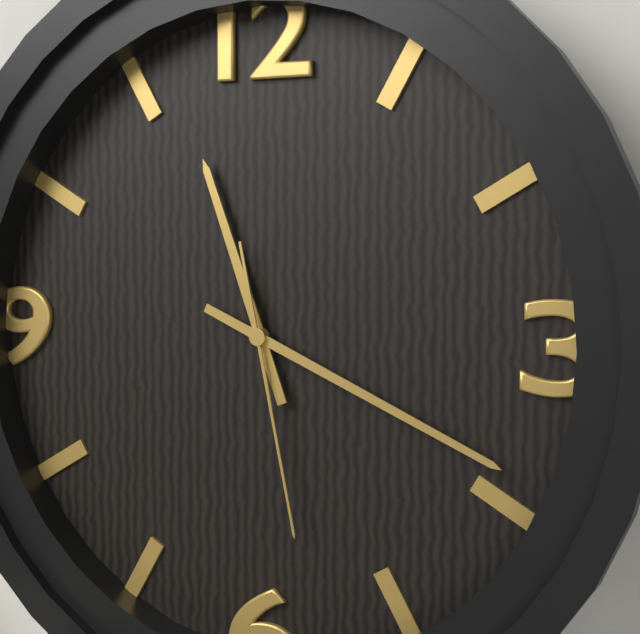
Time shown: **11:19:28**
